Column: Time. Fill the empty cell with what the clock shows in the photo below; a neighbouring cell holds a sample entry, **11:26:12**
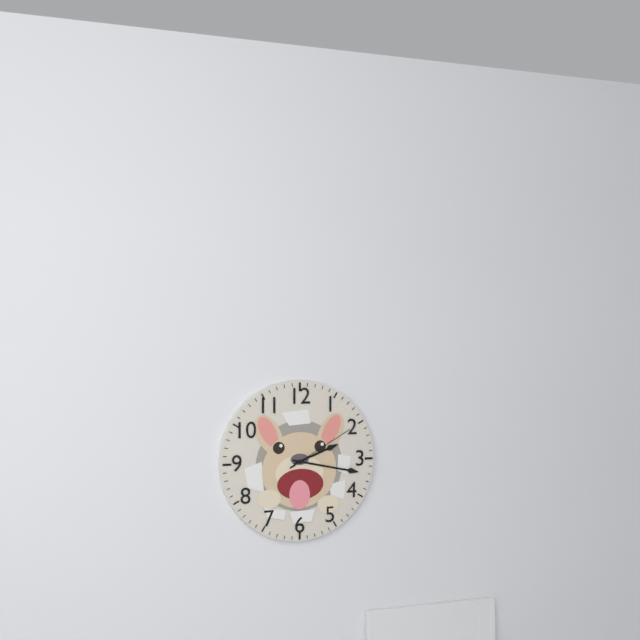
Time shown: **2:17:10**
